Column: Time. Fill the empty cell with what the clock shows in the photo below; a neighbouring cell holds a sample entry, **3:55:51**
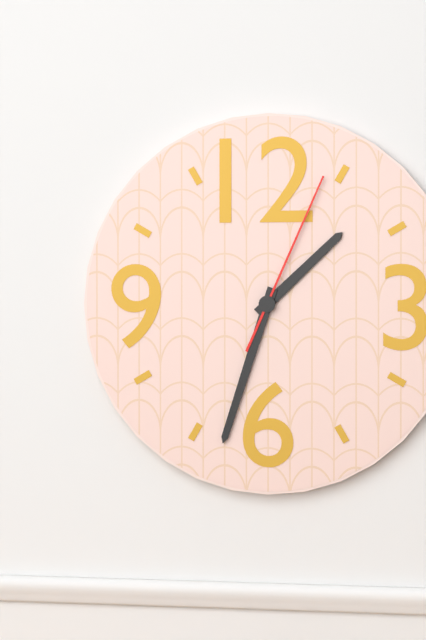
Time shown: **1:33:04**
